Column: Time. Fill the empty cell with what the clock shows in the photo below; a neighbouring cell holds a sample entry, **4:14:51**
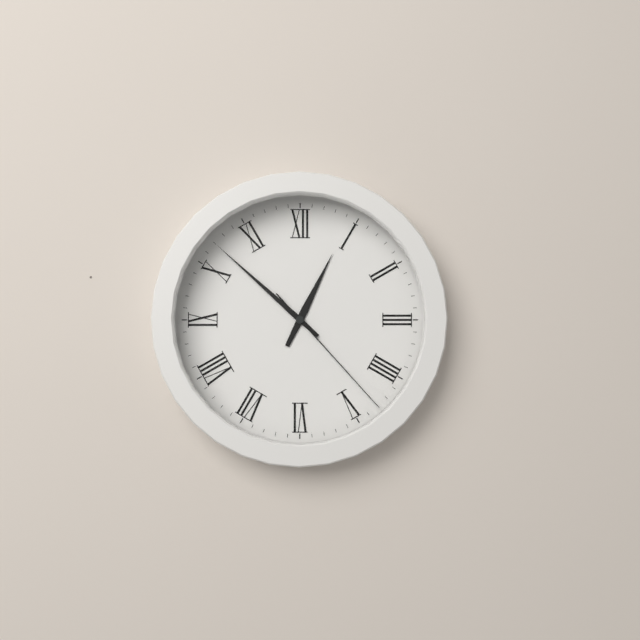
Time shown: **12:52:23**
